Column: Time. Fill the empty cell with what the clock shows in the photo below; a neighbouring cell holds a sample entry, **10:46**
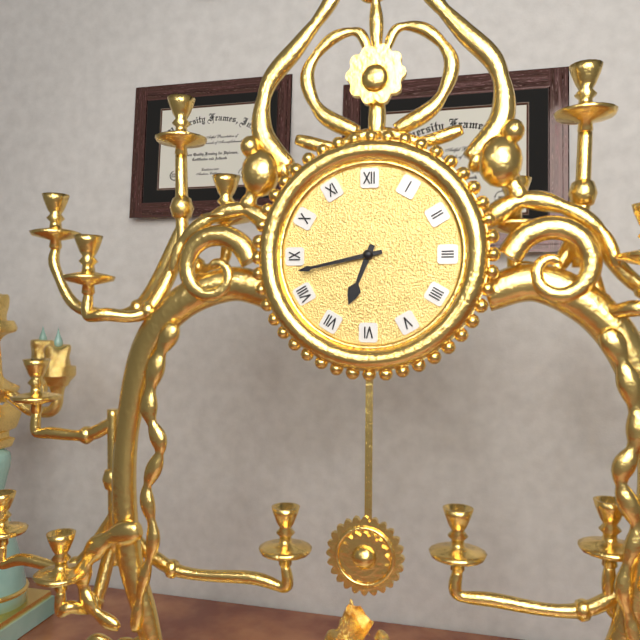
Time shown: **6:43**
